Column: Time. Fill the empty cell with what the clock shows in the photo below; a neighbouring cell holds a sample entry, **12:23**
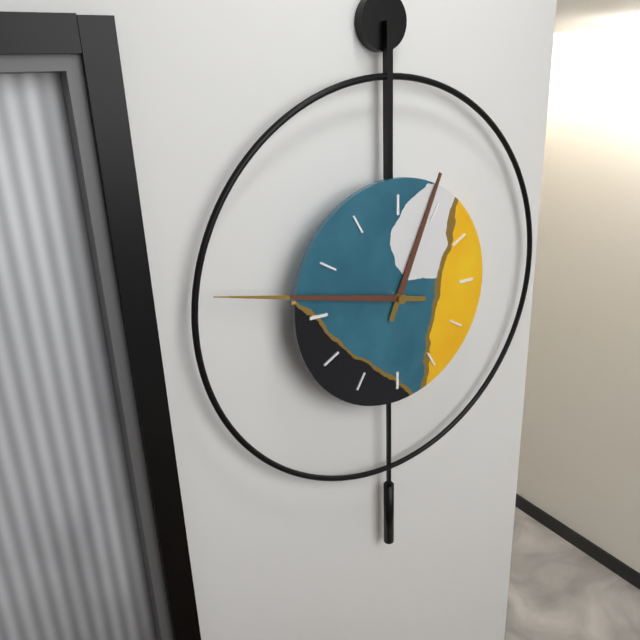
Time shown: **12:47**
